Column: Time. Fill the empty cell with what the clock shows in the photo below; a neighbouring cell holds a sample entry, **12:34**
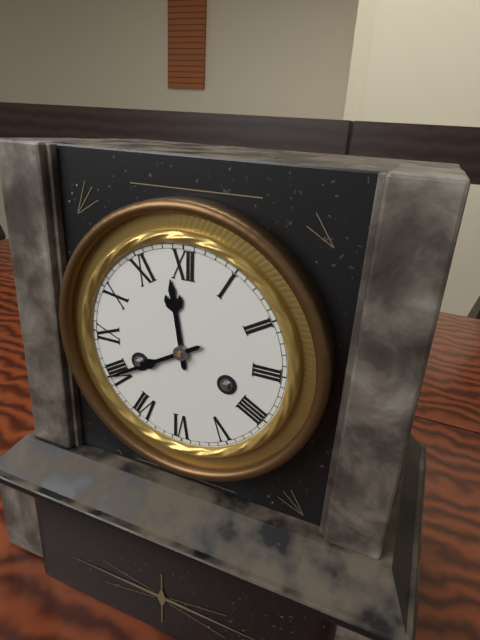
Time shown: **11:40**
